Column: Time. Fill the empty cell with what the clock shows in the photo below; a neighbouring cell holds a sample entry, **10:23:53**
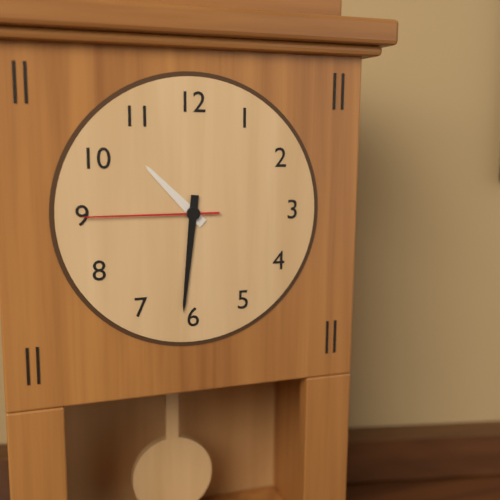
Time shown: **10:31:45**
